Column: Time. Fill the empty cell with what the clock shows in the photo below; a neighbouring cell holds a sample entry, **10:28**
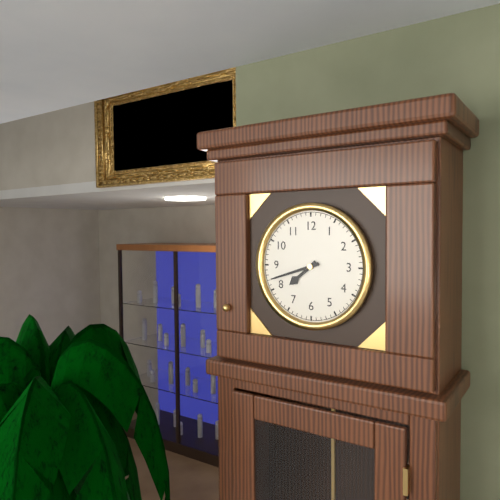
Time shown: **7:42**
